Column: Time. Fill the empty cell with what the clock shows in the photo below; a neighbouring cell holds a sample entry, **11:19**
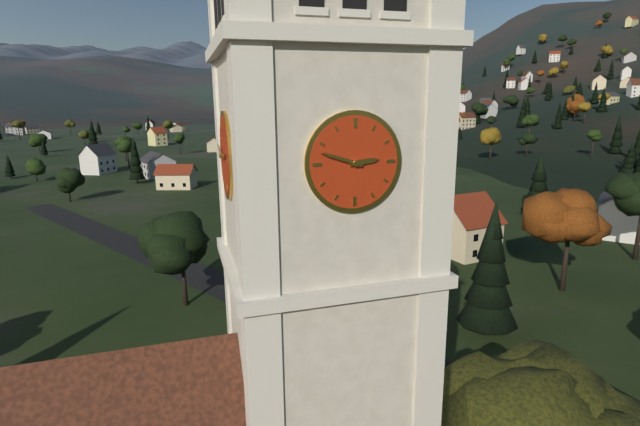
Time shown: **2:48**
